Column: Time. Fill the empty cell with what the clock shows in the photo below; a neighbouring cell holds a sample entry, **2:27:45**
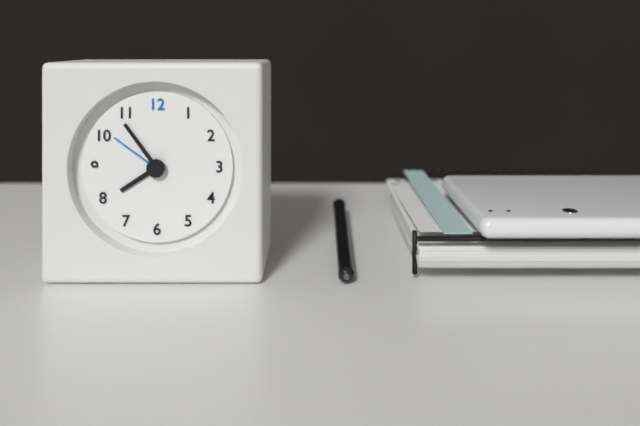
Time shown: **7:54:51**
